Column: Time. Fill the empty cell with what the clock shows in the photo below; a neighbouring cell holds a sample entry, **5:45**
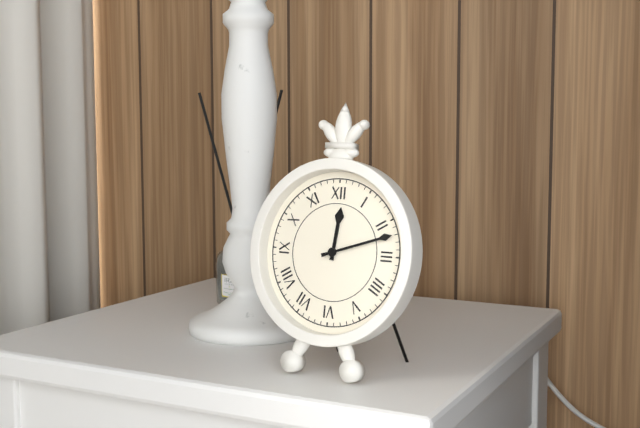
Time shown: **12:12**
